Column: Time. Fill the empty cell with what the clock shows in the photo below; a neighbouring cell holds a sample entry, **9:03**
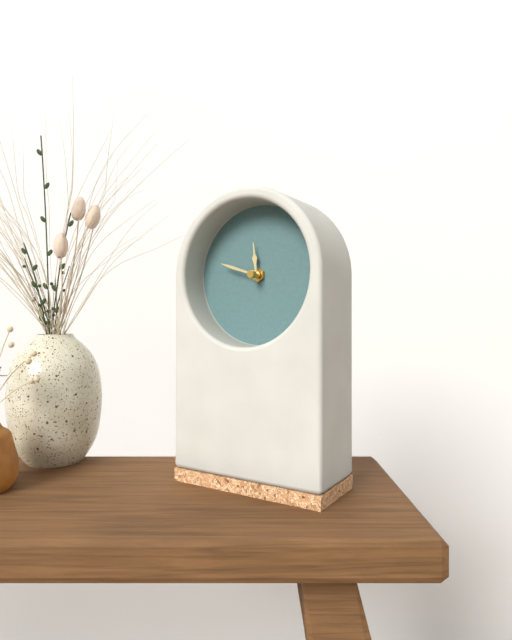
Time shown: **11:48**
